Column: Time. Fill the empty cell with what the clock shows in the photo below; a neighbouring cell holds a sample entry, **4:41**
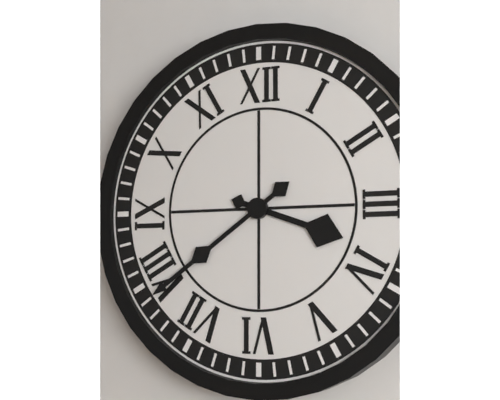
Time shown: **3:39**
